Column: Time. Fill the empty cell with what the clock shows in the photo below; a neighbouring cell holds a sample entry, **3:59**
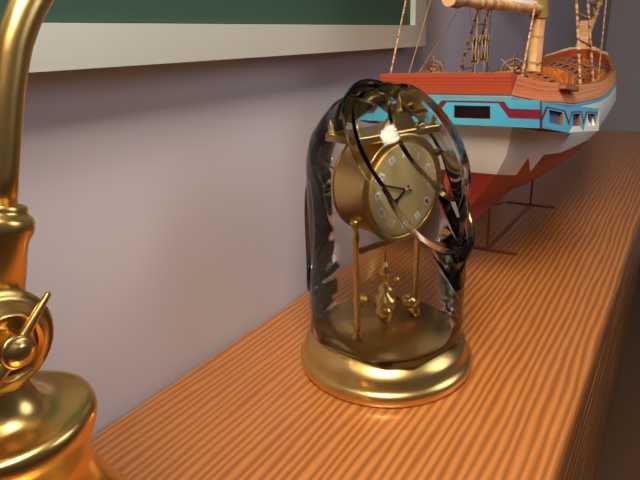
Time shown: **7:48**
